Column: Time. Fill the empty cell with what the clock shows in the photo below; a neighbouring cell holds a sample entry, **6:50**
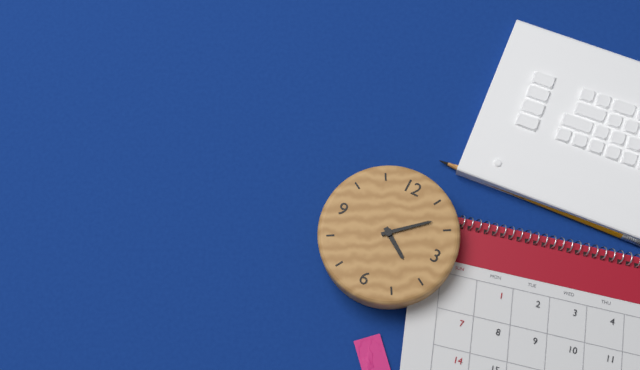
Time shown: **4:08**
